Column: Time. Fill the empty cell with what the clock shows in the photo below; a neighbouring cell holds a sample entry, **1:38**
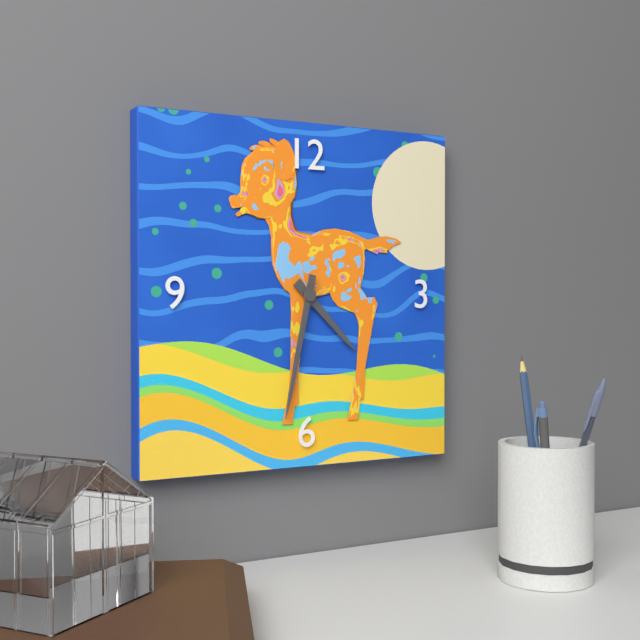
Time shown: **4:32**
